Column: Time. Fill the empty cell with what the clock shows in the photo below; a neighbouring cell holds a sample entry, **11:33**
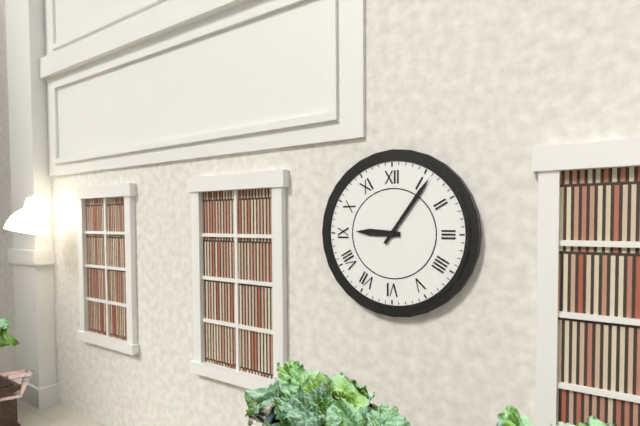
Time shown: **9:06**
